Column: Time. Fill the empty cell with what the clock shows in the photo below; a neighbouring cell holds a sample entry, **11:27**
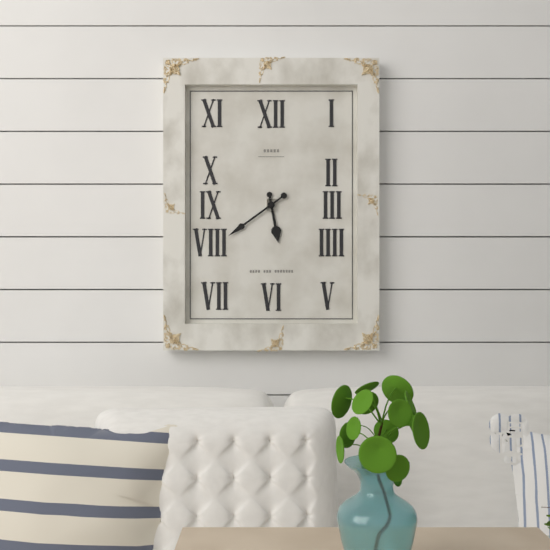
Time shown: **5:39**
